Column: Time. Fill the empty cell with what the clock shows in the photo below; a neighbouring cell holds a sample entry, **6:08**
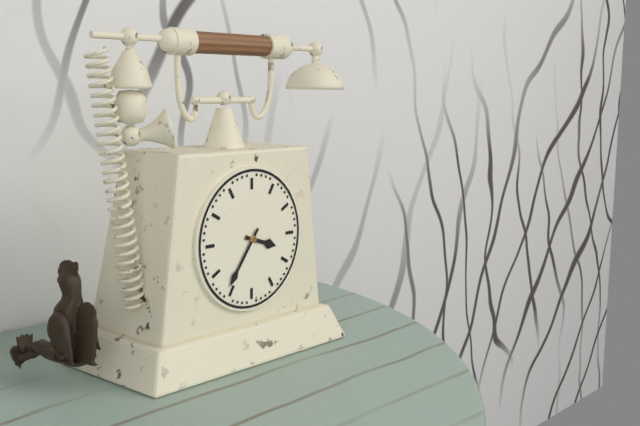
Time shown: **3:36**
